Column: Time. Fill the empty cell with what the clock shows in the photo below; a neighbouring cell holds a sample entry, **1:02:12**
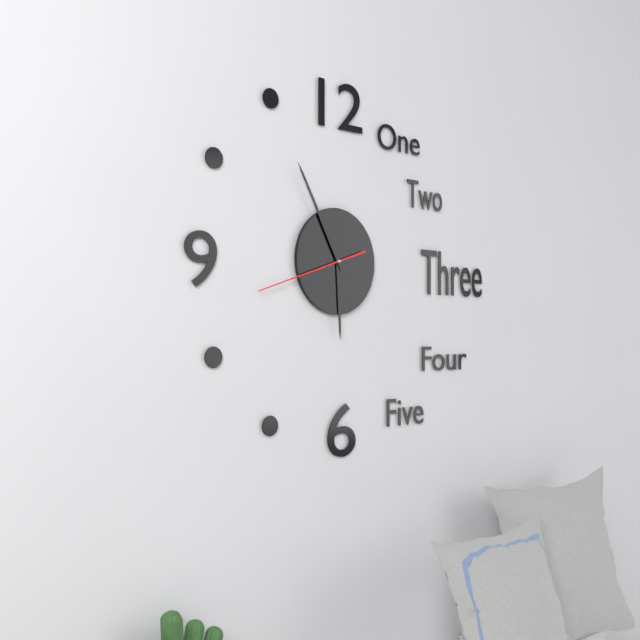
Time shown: **5:55:42**
